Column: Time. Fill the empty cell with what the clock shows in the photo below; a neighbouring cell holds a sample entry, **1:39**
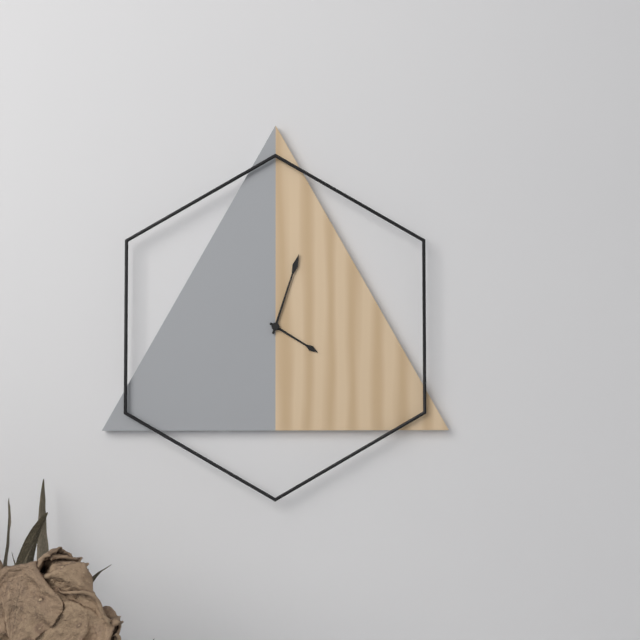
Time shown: **4:03**
